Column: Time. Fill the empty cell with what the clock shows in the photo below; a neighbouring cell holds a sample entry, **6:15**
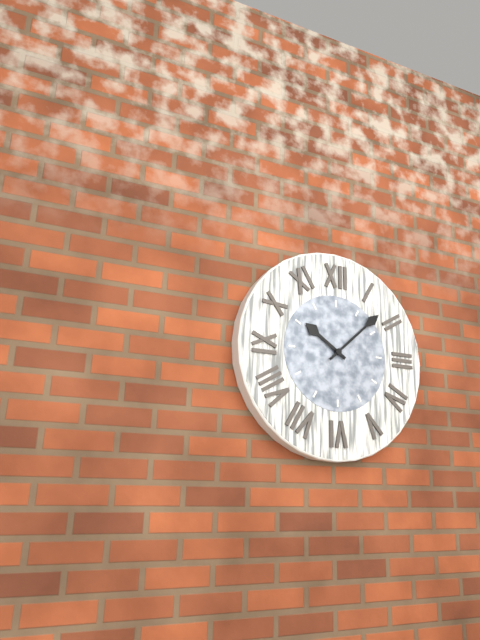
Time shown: **10:08**
